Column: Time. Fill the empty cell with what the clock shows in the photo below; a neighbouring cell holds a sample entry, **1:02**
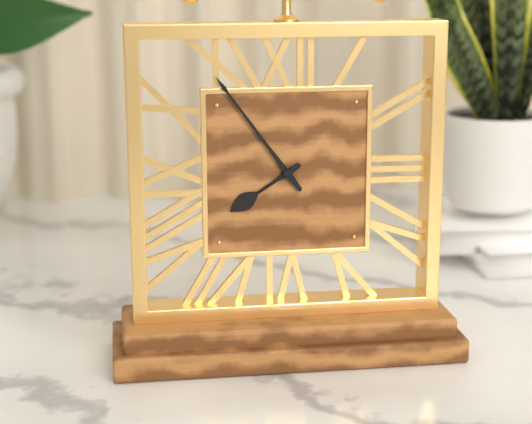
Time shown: **7:54**
